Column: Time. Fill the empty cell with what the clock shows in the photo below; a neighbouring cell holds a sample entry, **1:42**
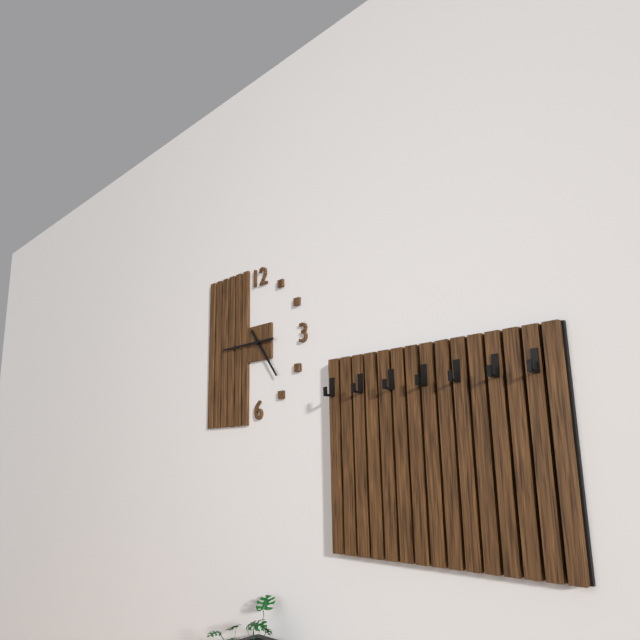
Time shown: **4:45**
